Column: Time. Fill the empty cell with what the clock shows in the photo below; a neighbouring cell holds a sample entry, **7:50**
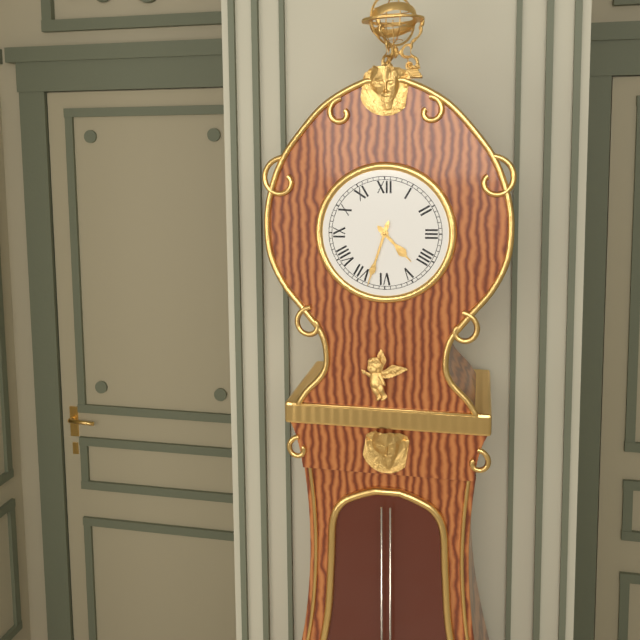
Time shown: **4:33**
